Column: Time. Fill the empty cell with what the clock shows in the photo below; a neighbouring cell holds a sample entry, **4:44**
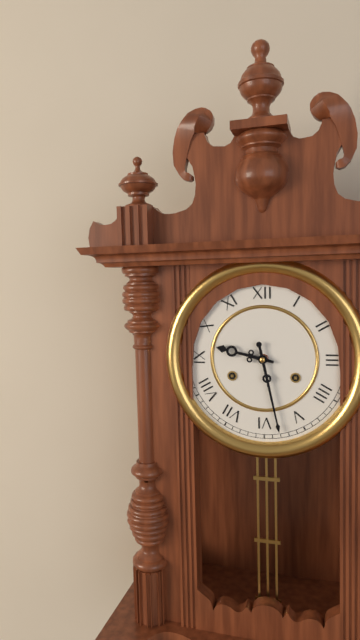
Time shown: **9:28**
